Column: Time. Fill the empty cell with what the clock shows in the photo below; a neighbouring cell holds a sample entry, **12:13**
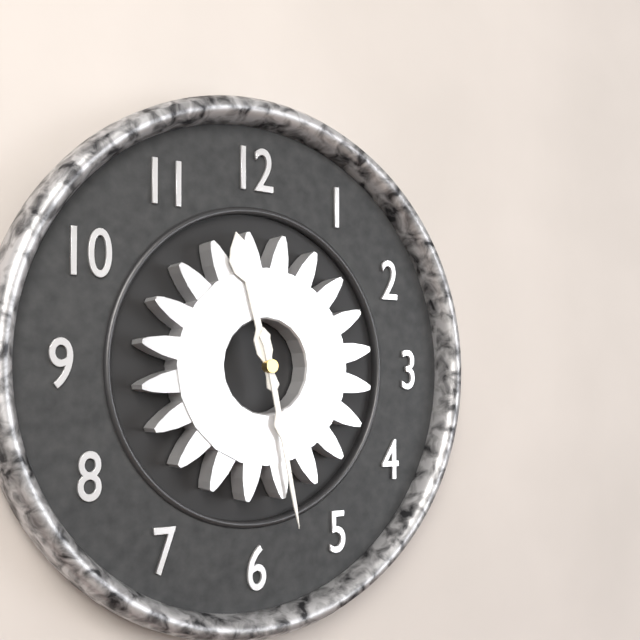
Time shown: **11:28**
